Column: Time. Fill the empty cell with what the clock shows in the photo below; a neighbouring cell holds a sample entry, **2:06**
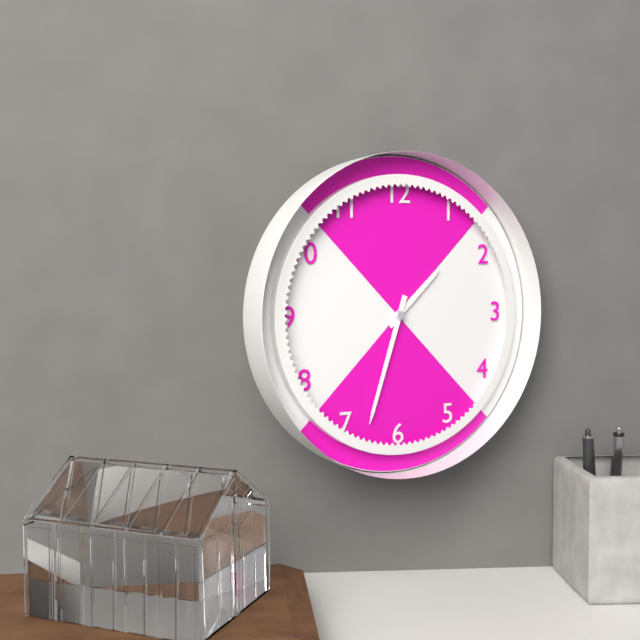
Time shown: **1:33**
